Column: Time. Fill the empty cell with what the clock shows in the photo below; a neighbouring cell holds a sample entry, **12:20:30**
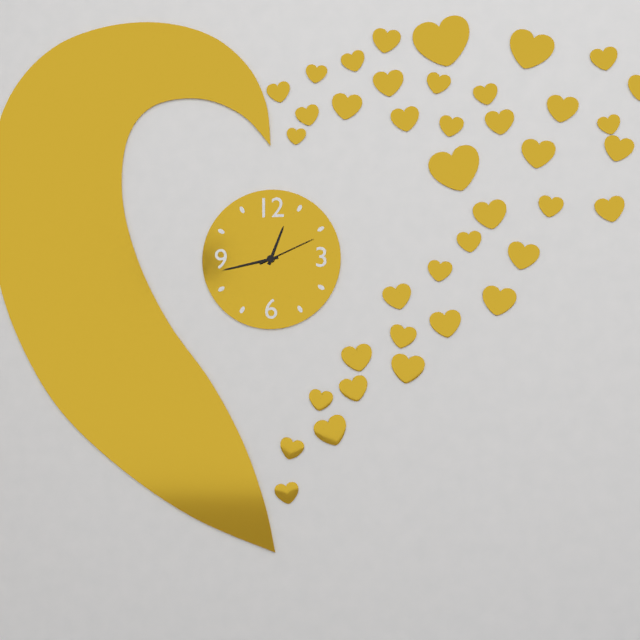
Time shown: **12:43:11**
